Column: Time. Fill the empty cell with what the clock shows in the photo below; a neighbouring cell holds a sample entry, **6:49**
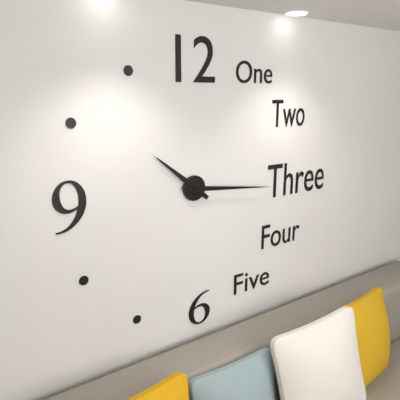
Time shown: **10:16**
